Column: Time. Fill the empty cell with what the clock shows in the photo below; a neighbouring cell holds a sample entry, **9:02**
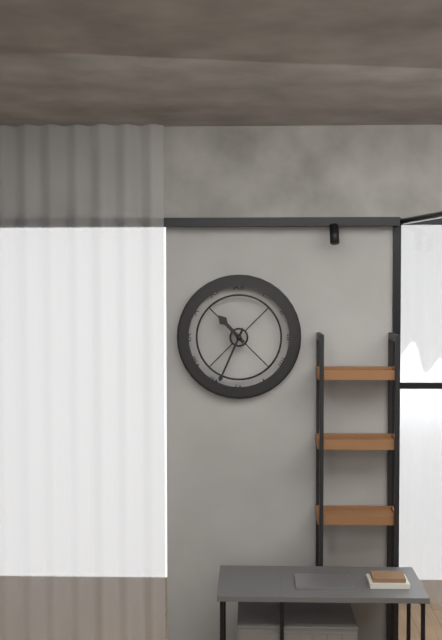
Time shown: **10:34**
